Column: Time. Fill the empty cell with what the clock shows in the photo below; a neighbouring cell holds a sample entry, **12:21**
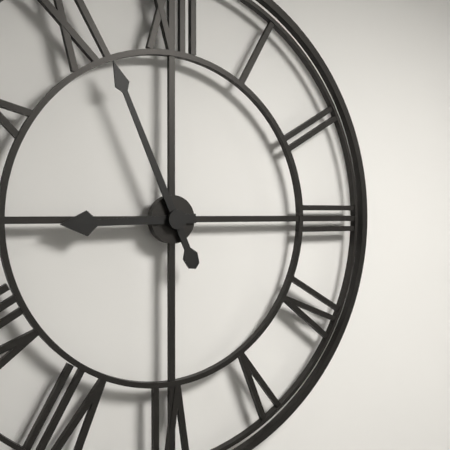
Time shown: **8:56**
